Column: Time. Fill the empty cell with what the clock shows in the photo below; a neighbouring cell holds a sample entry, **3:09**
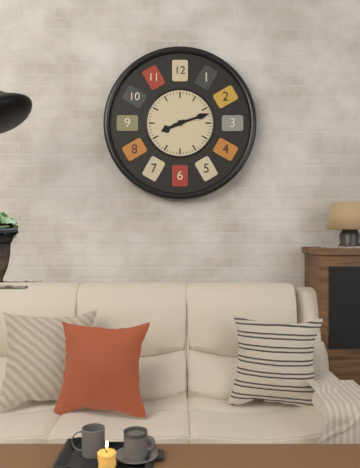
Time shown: **8:12**
